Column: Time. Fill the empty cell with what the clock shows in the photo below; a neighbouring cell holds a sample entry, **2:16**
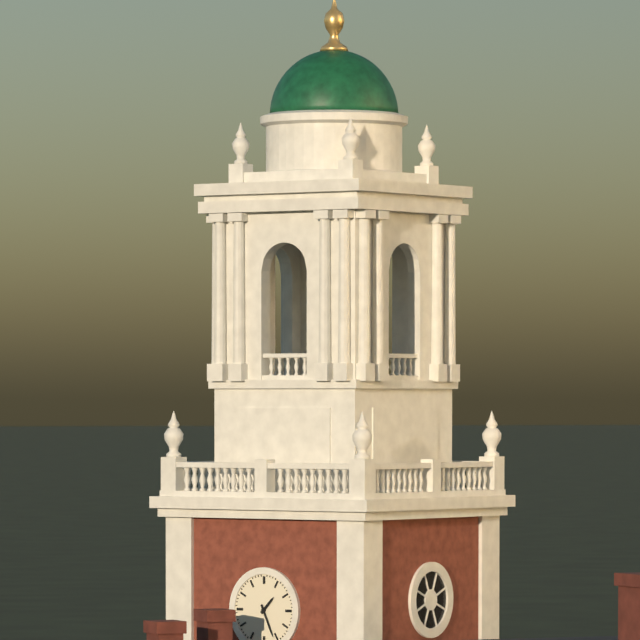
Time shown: **1:26**
